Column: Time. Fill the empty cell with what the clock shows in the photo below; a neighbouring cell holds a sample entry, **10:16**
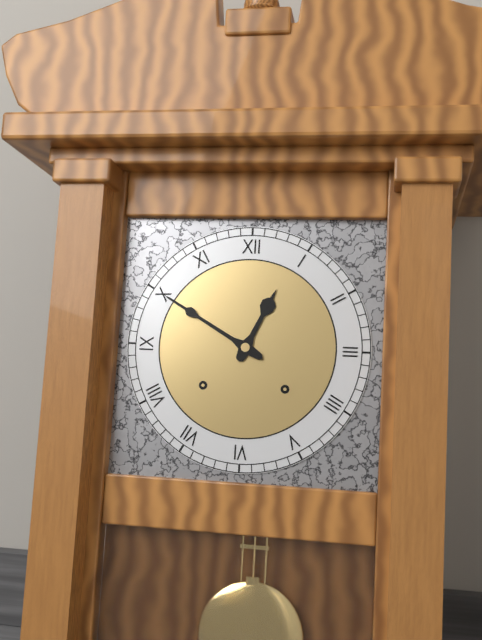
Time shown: **12:50**
